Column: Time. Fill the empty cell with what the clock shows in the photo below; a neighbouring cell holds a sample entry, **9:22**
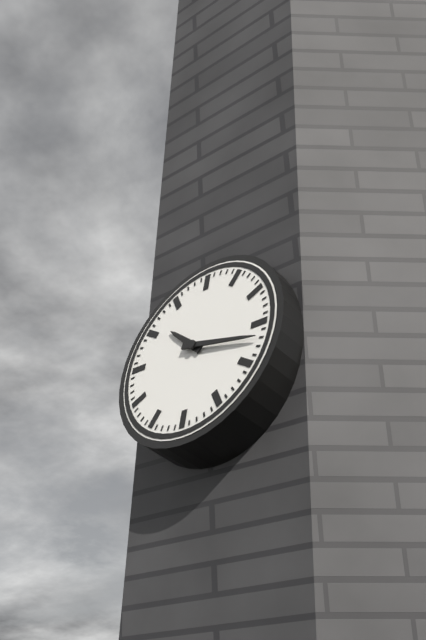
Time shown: **10:17**
